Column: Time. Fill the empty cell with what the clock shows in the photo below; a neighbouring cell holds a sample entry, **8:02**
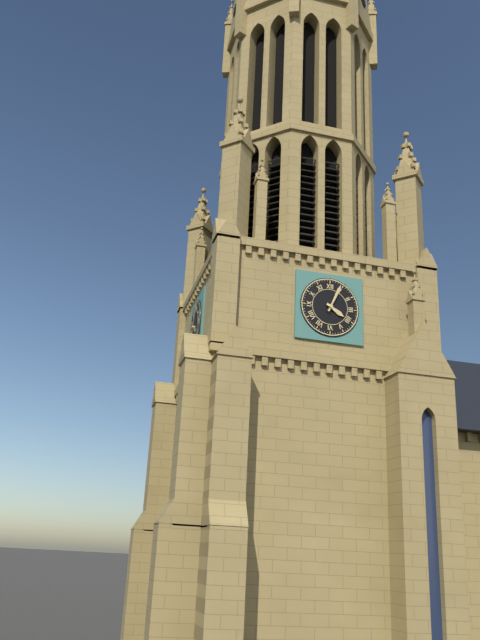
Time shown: **4:04**
